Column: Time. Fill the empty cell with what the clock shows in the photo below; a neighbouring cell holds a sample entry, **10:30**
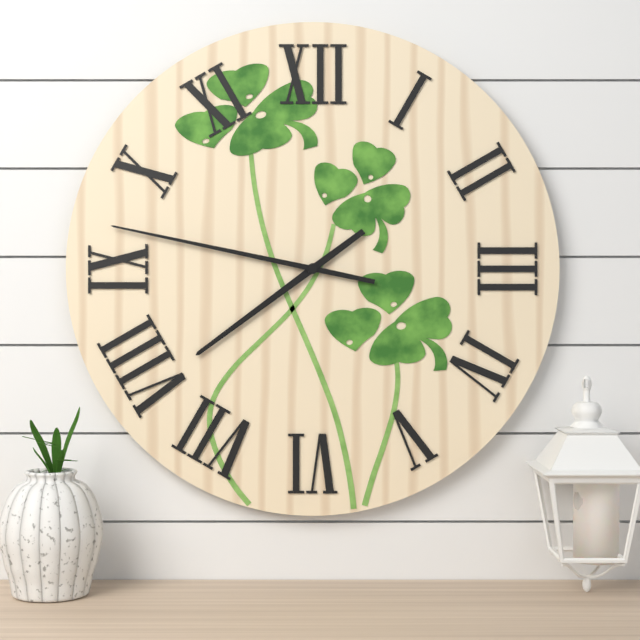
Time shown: **7:47**
